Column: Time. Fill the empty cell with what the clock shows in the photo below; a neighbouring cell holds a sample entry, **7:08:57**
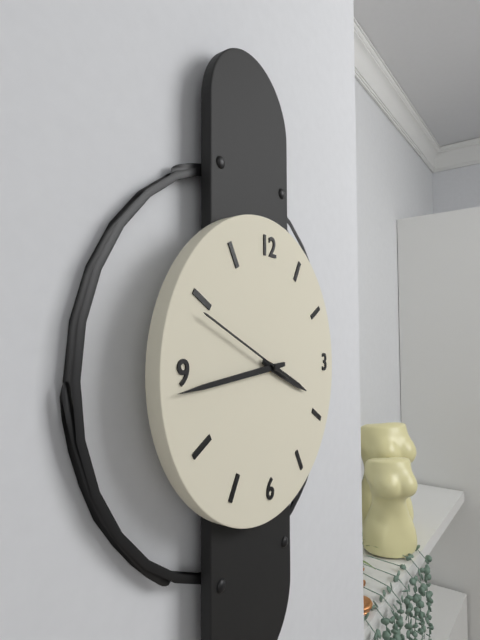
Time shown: **3:44:49**
